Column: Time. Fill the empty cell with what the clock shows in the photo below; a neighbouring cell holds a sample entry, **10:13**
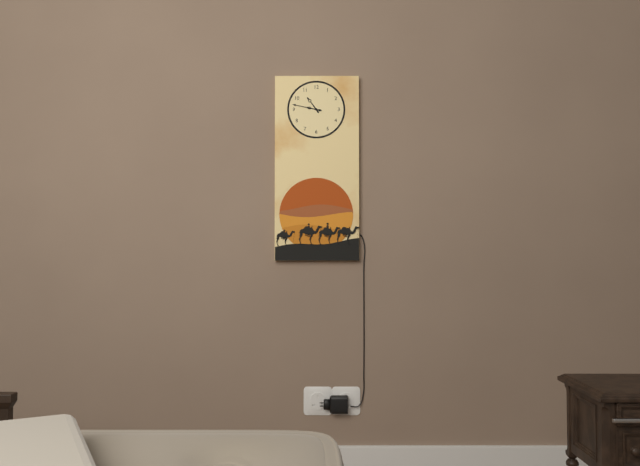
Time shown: **10:47**
